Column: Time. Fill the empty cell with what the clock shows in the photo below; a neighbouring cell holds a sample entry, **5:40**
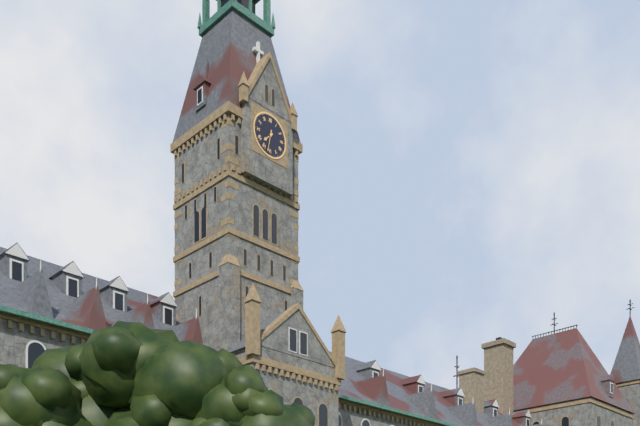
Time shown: **7:32**
